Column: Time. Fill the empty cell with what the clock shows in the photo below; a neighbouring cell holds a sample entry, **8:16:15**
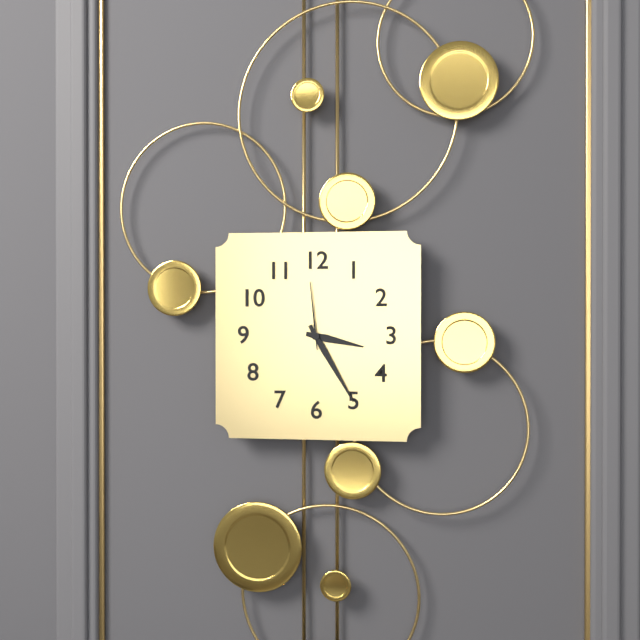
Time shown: **3:25:59**
